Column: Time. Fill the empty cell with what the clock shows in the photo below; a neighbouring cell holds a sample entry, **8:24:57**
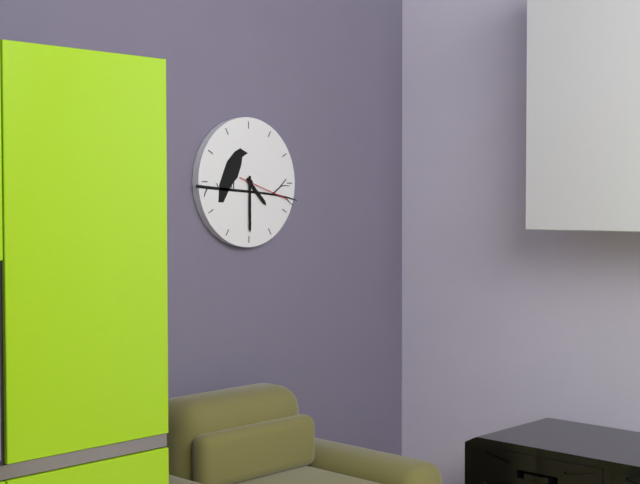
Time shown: **4:30:18**
